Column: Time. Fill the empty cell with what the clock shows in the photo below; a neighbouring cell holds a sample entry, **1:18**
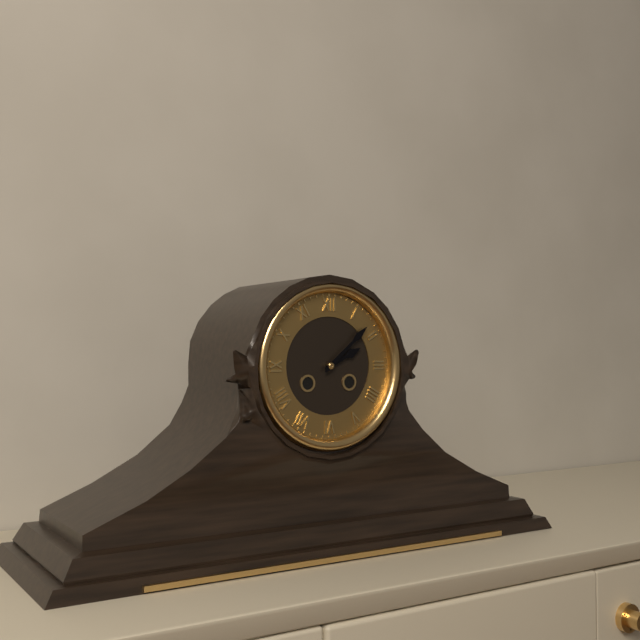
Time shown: **2:08**
